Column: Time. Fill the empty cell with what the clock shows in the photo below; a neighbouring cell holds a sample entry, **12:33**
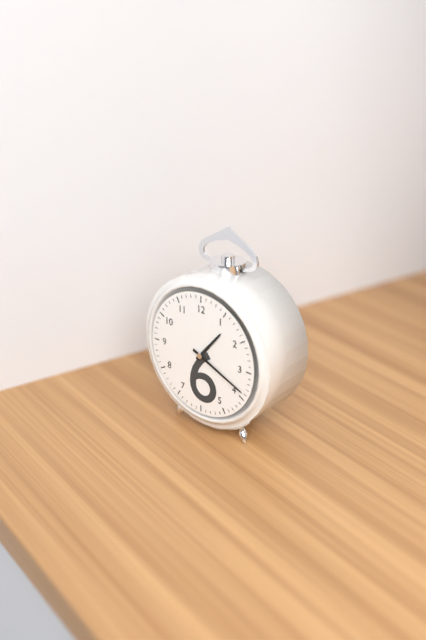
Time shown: **1:19**
